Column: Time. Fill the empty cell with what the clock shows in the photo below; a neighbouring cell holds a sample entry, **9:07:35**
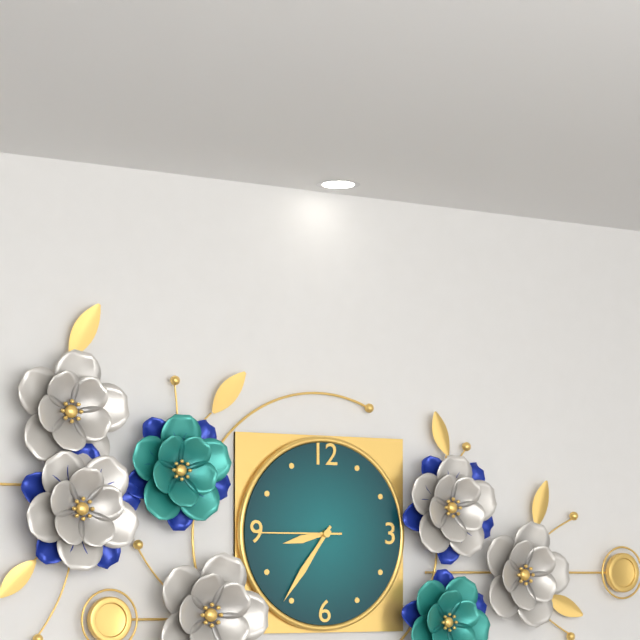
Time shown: **8:36:45**
